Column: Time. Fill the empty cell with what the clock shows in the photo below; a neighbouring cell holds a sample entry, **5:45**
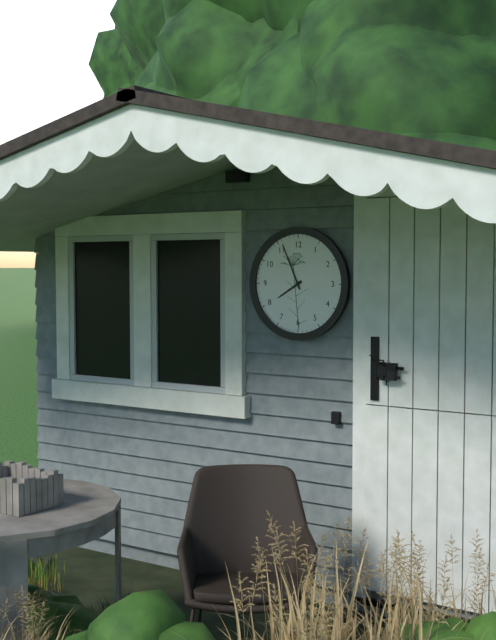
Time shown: **7:56**
